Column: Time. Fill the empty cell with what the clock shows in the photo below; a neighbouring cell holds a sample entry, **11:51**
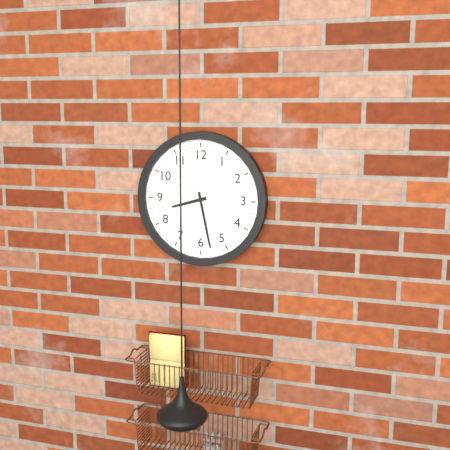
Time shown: **8:28**
